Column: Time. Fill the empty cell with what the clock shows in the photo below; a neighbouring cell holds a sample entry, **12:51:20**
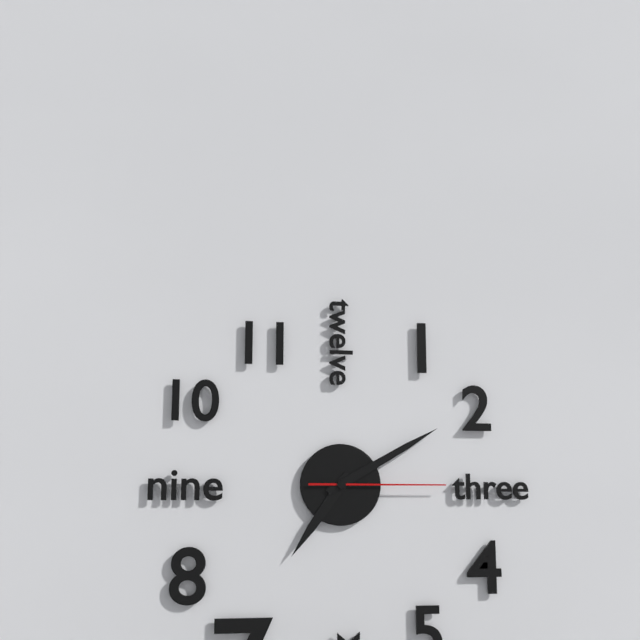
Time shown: **7:10:15**
